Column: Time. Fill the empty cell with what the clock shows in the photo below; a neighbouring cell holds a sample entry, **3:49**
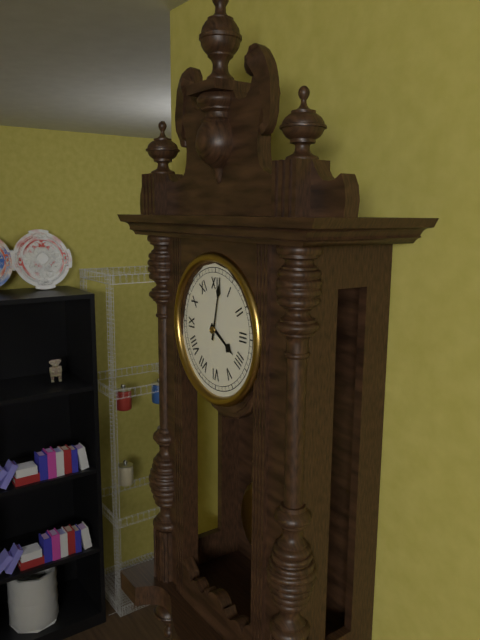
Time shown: **4:02**
